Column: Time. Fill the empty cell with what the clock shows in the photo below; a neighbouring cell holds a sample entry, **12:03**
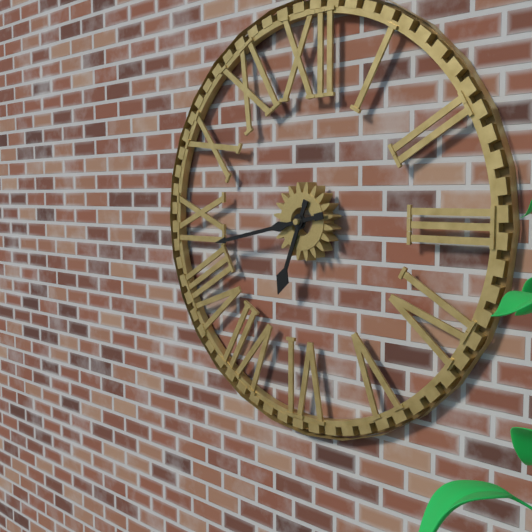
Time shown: **6:43**
